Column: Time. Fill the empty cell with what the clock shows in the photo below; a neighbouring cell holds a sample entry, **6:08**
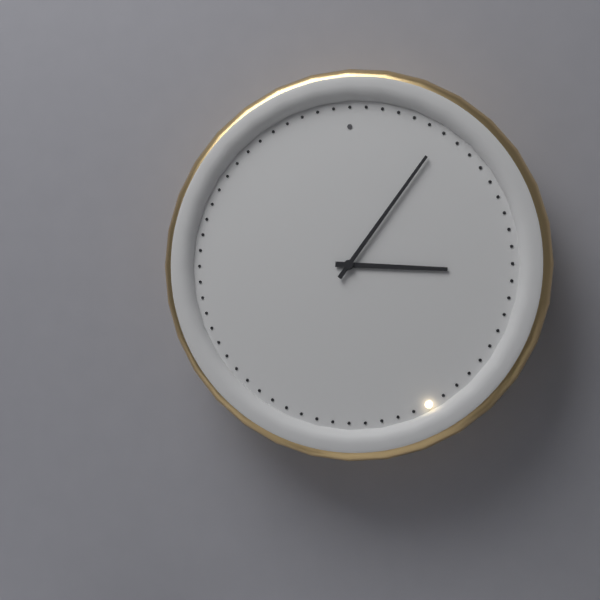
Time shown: **3:06**
